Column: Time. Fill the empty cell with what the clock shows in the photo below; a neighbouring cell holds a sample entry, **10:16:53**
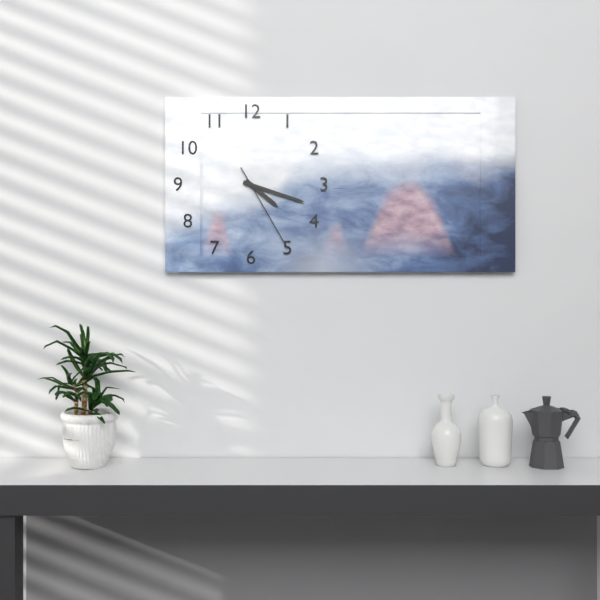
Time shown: **4:18:25**
